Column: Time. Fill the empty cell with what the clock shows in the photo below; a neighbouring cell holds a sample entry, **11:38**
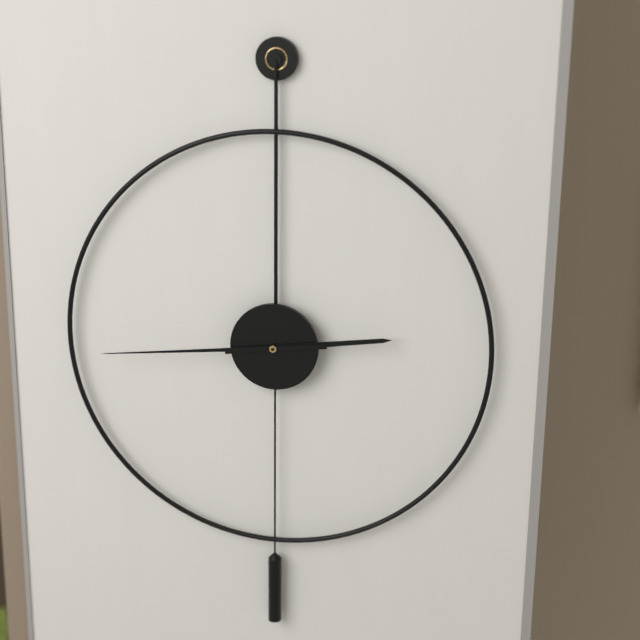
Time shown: **2:44**
